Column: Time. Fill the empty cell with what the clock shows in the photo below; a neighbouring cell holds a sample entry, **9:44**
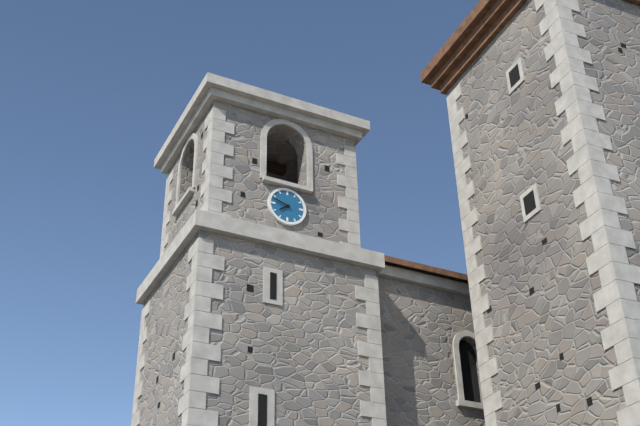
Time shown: **7:48**
